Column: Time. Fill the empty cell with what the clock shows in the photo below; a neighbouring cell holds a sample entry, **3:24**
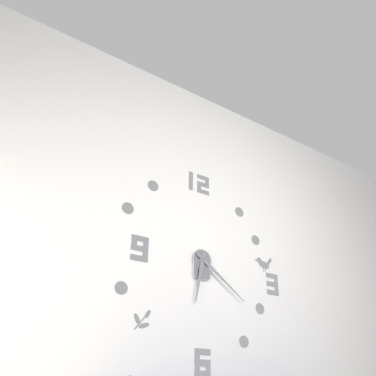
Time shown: **6:21**
